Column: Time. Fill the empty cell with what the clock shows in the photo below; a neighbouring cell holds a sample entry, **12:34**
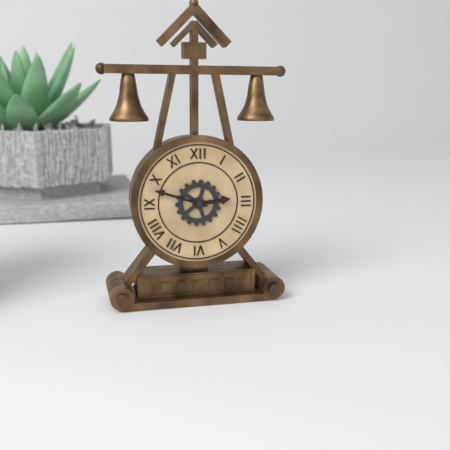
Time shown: **2:48**
